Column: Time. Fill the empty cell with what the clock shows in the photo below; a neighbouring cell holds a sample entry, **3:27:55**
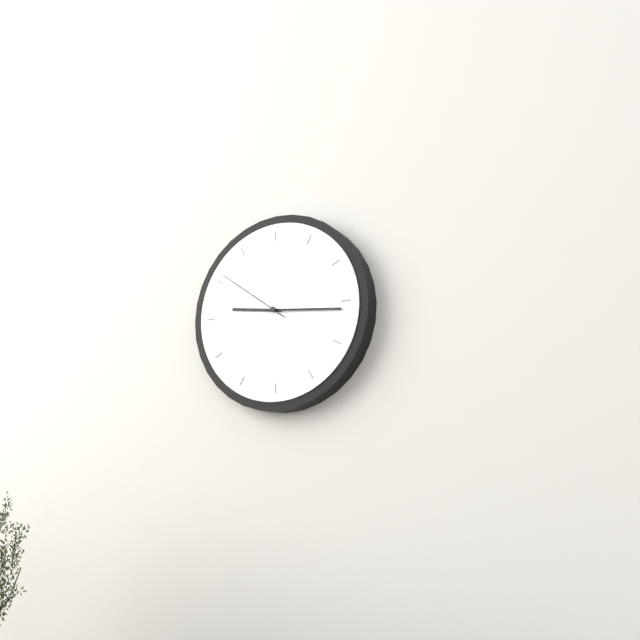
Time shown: **9:16:51**
